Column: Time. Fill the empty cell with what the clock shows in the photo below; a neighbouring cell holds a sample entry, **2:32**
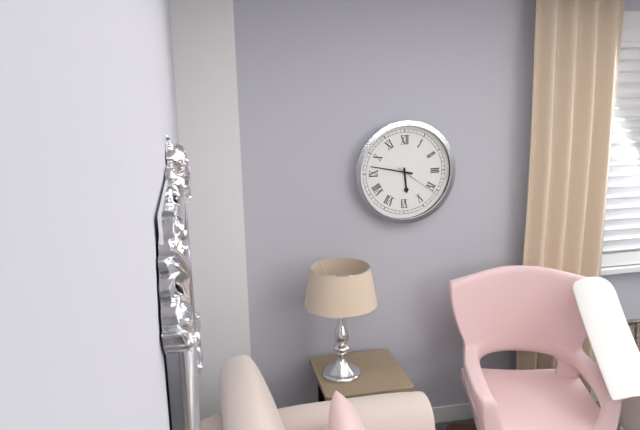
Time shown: **5:47**
